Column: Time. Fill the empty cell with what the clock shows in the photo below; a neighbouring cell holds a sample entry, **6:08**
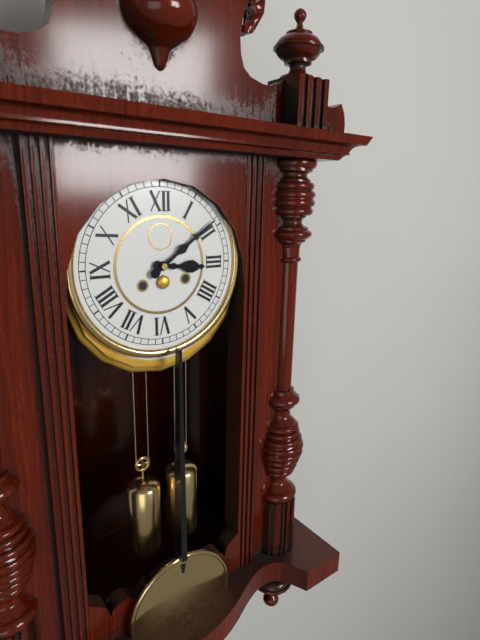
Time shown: **3:09**
